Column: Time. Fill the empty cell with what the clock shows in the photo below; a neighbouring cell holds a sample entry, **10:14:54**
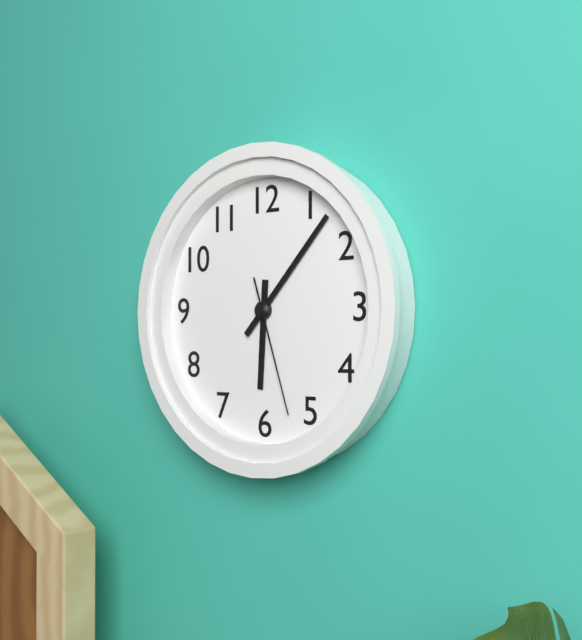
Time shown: **6:07:27**
